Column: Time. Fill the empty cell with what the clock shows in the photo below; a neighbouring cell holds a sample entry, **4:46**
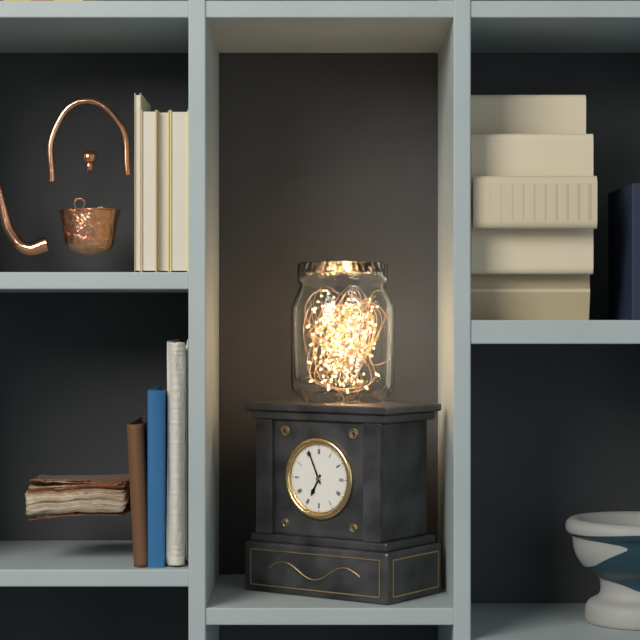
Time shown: **6:56**
